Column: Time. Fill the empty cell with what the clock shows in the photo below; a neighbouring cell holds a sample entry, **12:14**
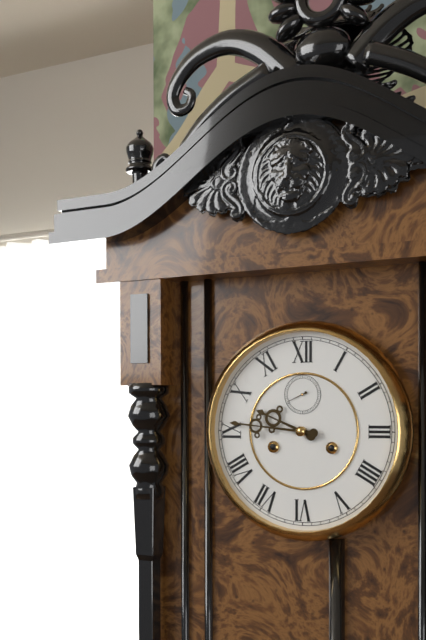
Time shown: **9:46**
